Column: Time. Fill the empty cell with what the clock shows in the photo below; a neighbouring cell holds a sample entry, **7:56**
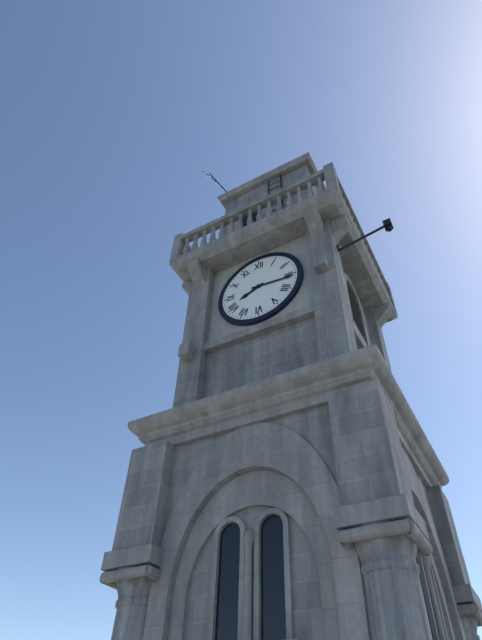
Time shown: **8:16**
